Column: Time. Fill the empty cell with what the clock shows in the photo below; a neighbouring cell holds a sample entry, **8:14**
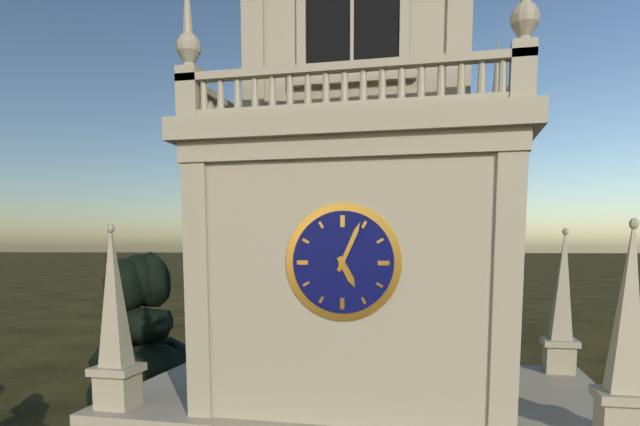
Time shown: **5:04**
